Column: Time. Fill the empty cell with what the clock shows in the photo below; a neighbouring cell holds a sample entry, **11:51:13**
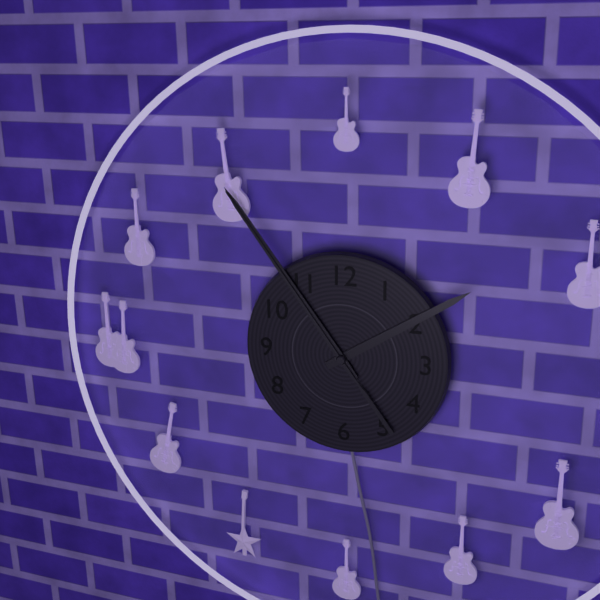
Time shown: **1:54:54**
